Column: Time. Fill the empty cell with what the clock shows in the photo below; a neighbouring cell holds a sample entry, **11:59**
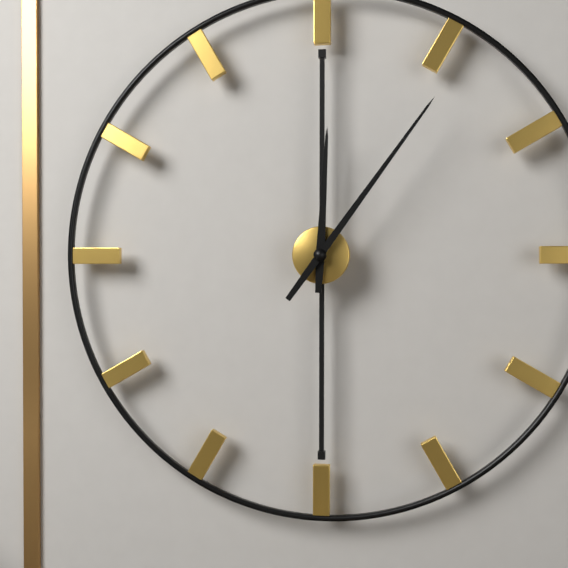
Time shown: **12:06**
